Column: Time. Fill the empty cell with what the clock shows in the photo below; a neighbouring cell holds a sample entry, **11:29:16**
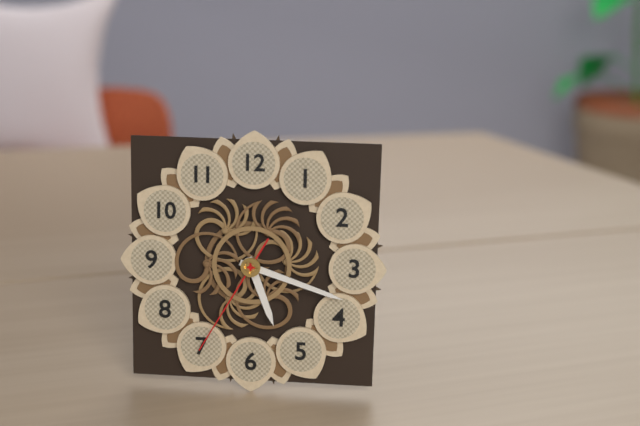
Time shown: **5:18:35**
